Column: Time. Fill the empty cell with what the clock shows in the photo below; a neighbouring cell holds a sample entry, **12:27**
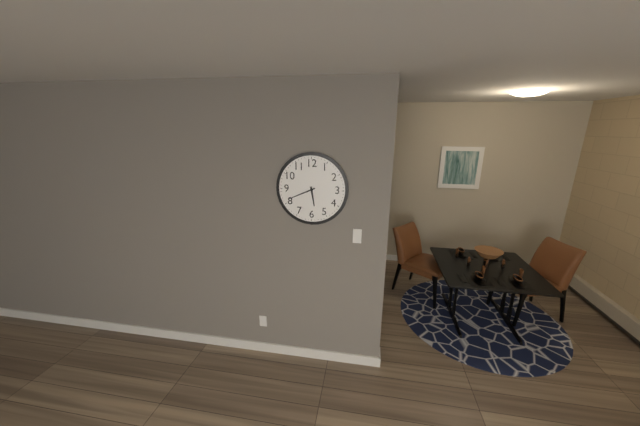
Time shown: **5:41**
